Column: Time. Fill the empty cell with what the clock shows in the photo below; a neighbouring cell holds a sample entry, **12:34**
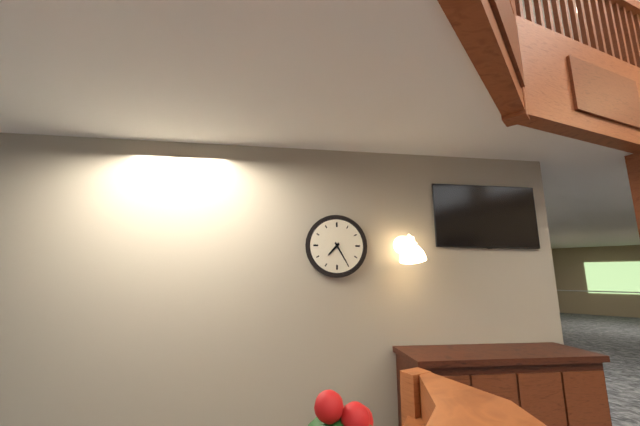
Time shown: **7:25**
